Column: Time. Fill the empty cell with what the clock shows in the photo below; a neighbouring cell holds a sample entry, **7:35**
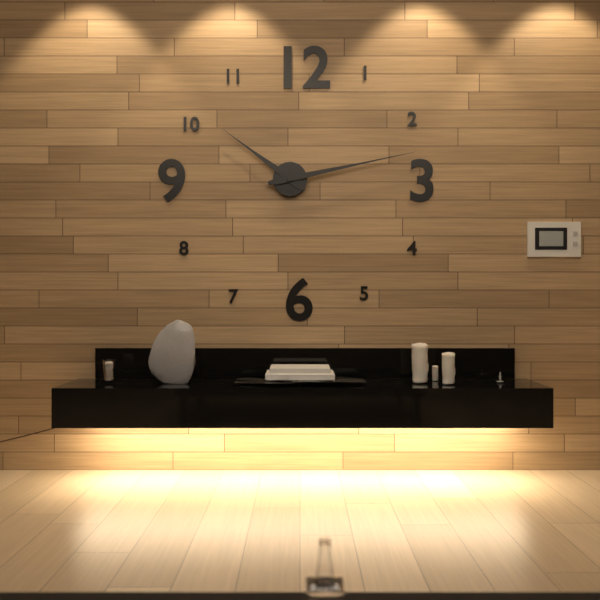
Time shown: **10:13**
